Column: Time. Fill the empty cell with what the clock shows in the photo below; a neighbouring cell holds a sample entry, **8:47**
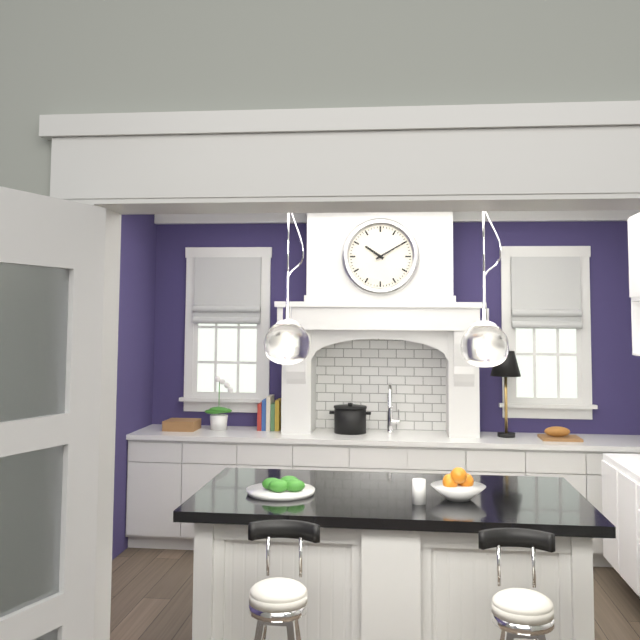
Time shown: **10:10**
